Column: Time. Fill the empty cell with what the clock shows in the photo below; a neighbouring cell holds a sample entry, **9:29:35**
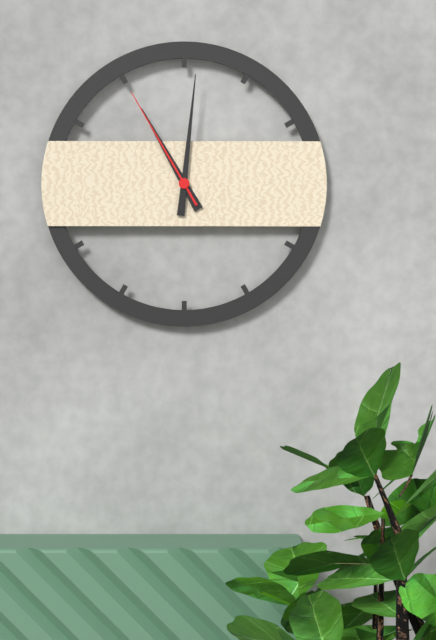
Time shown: **11:01:55**
